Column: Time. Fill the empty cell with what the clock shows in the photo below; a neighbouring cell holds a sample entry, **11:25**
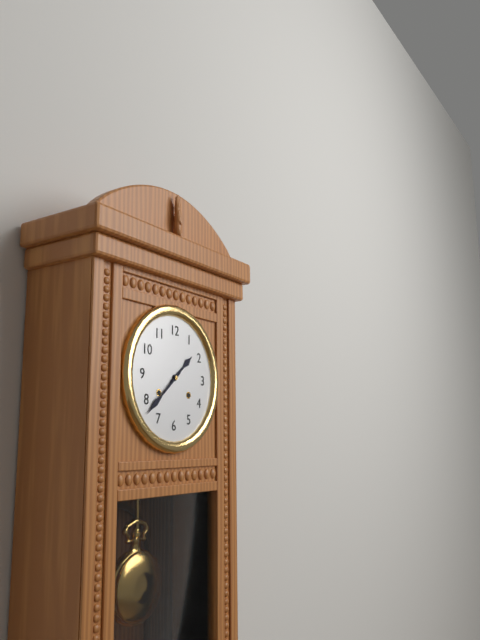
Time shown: **1:38**
